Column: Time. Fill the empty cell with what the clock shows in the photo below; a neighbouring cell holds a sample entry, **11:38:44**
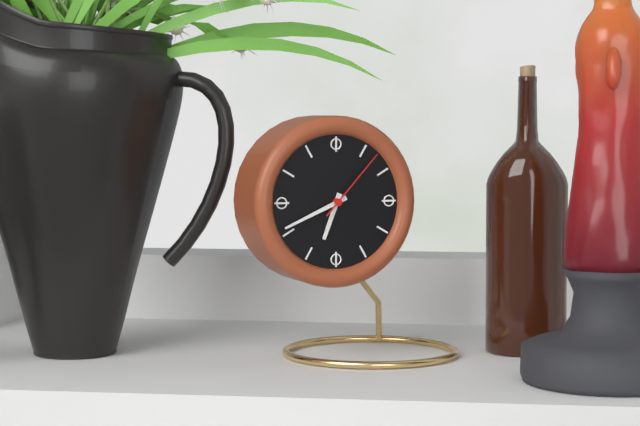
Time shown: **6:41:07**
